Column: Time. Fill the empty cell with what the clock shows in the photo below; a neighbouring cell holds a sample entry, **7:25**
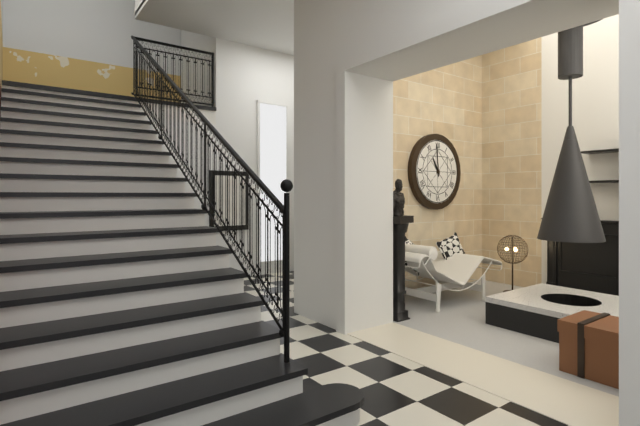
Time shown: **10:59**
